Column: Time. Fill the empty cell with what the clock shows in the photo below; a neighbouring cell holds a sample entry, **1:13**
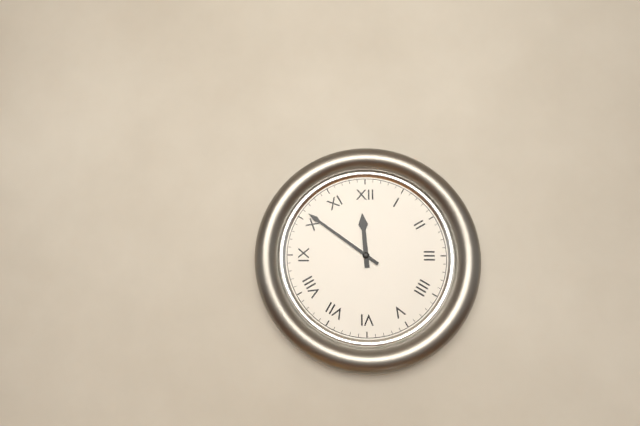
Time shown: **11:51**
